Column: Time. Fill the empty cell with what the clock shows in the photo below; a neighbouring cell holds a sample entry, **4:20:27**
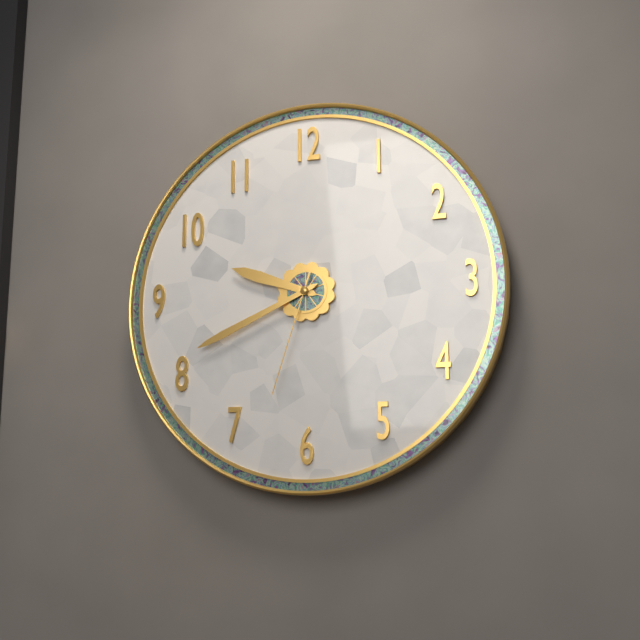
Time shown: **9:41:33**
